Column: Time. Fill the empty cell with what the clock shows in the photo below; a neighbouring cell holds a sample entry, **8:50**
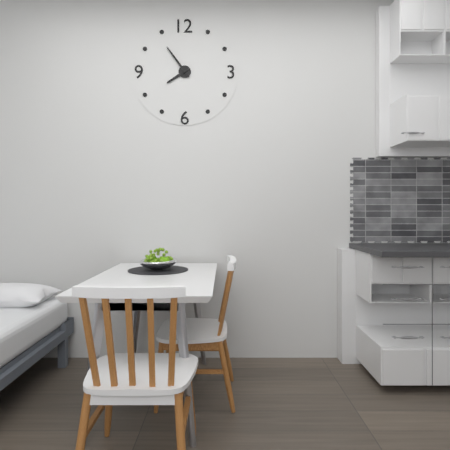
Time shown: **7:54**
